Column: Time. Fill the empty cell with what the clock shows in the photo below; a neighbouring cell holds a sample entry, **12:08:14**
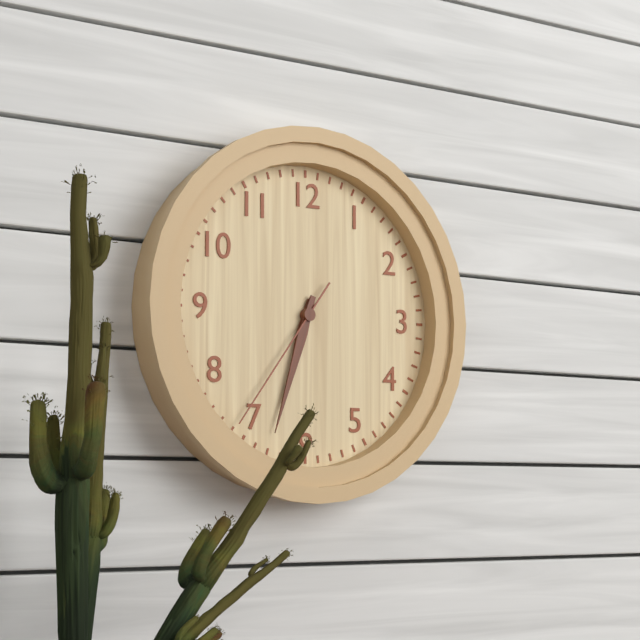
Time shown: **6:33:36**
